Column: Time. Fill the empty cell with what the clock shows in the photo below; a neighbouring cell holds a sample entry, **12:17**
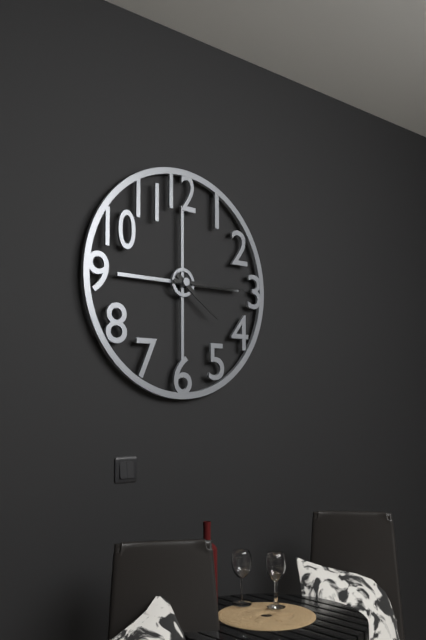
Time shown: **4:15**
